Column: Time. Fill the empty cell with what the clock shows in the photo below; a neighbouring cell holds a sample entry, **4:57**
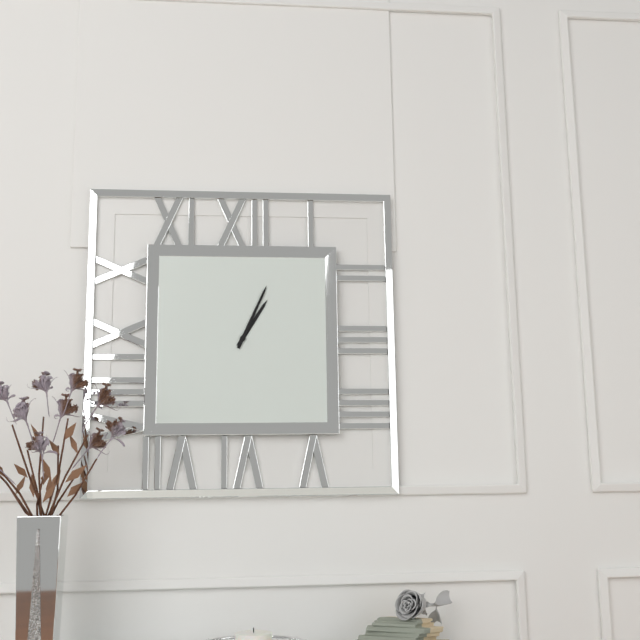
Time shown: **1:04**
